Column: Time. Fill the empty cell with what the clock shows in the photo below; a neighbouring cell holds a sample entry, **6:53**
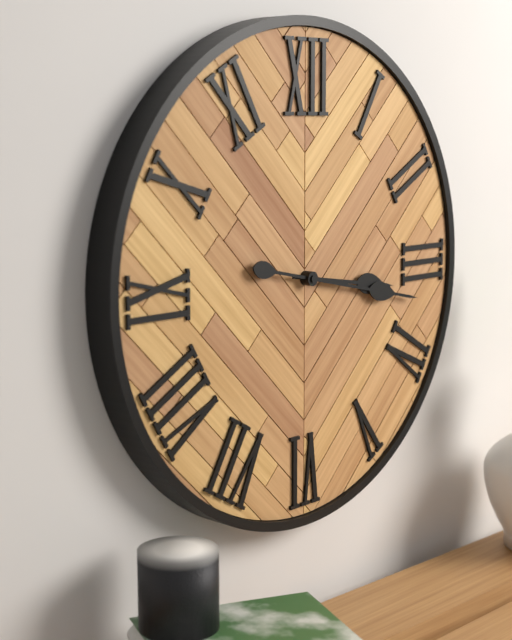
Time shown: **3:17**
